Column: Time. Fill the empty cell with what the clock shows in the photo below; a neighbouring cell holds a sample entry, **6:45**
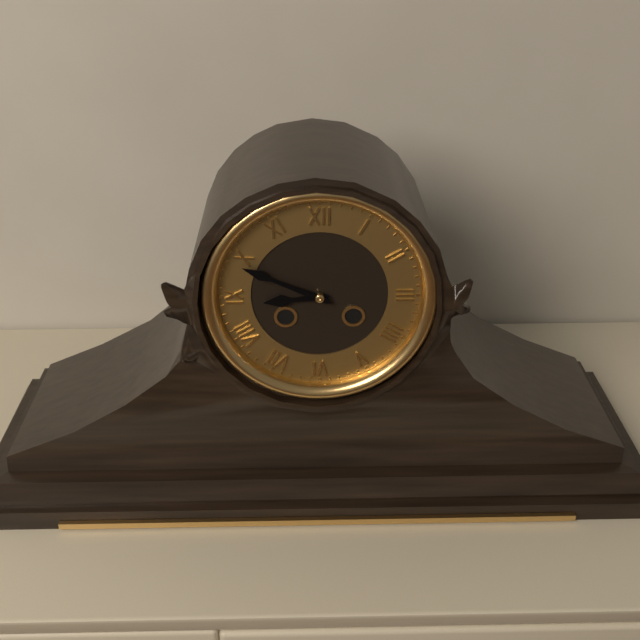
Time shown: **8:49**
